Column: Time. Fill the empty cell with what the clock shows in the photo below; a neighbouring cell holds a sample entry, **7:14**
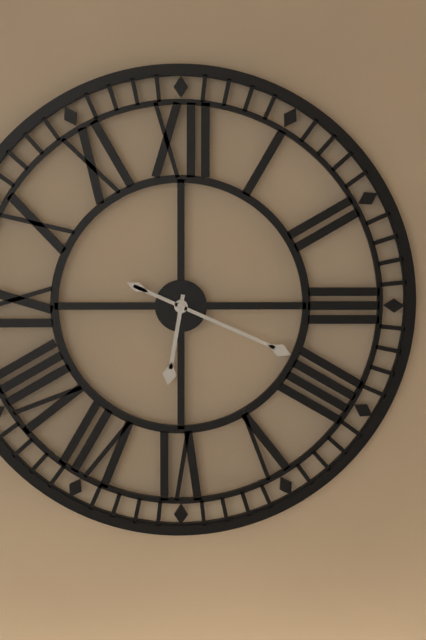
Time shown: **6:19**
